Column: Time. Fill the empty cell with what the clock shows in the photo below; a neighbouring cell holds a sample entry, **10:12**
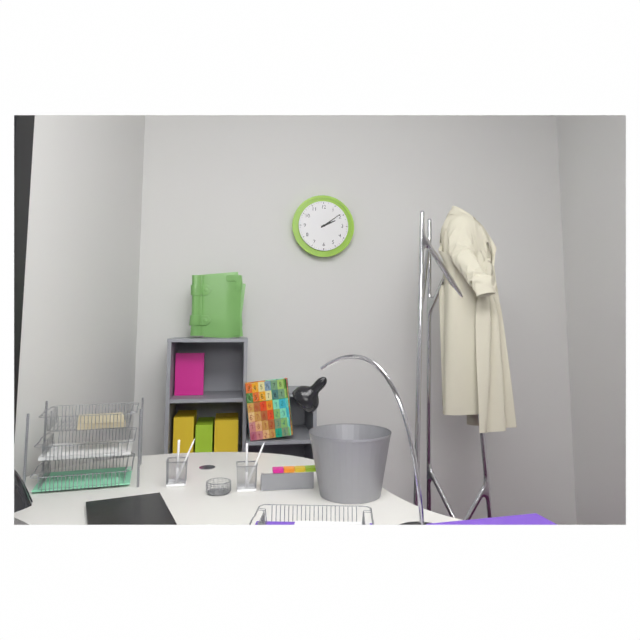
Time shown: **2:09**
